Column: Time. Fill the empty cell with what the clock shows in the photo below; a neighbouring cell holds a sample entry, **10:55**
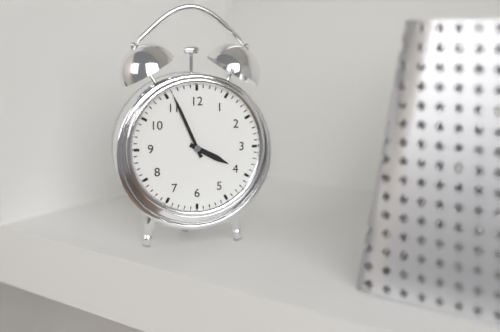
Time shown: **3:56**
